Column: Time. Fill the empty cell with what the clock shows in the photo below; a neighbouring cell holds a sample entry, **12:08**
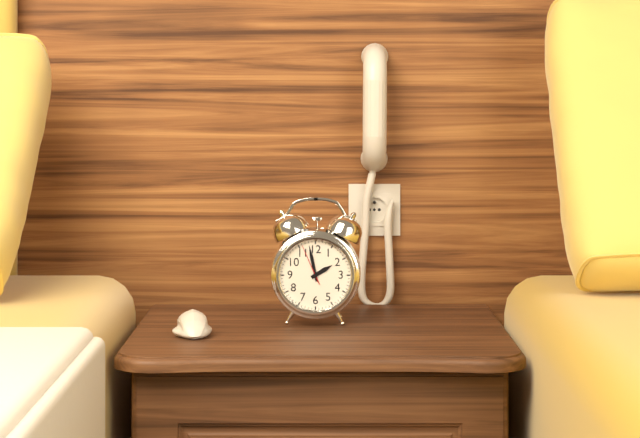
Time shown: **1:58**
